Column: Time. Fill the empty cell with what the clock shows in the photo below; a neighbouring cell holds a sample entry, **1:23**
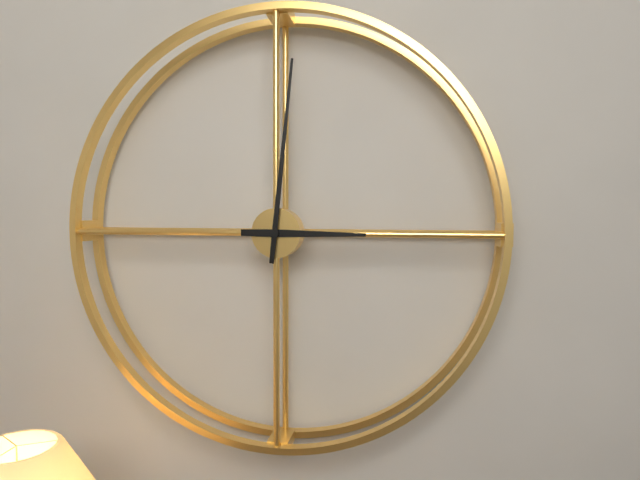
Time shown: **3:01**
